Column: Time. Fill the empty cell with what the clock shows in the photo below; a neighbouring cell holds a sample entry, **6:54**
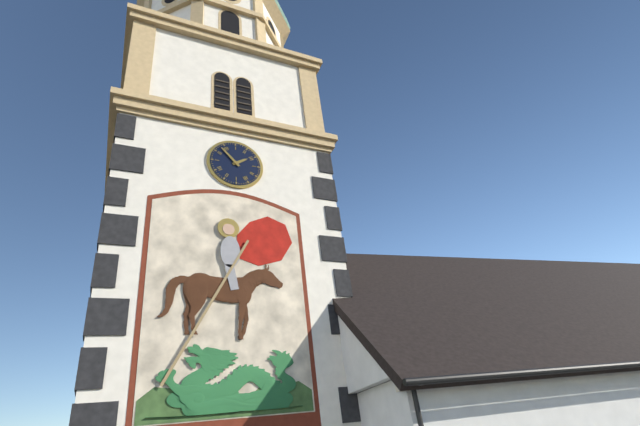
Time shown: **1:53**
